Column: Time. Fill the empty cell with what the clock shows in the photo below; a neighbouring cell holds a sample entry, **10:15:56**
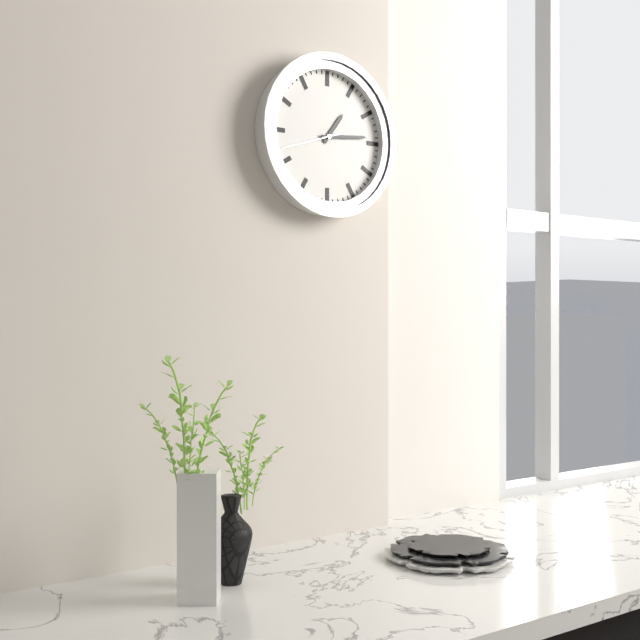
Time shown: **1:14:42**
